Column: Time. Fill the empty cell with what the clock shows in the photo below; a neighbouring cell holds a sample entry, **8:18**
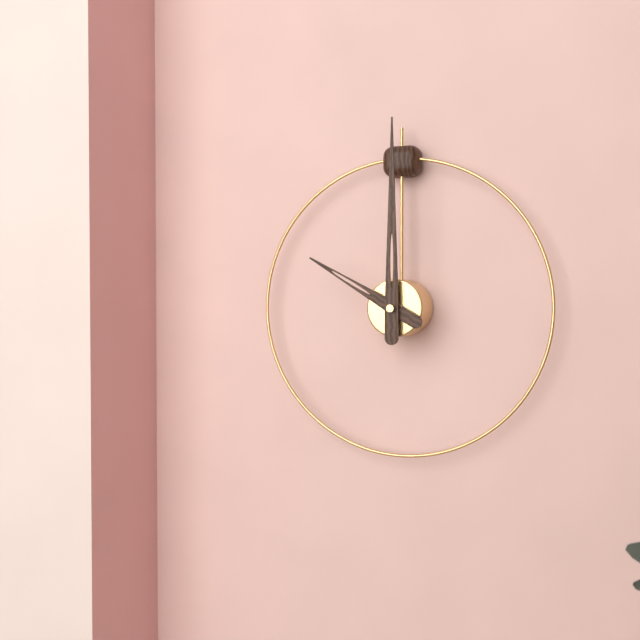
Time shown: **10:00**
